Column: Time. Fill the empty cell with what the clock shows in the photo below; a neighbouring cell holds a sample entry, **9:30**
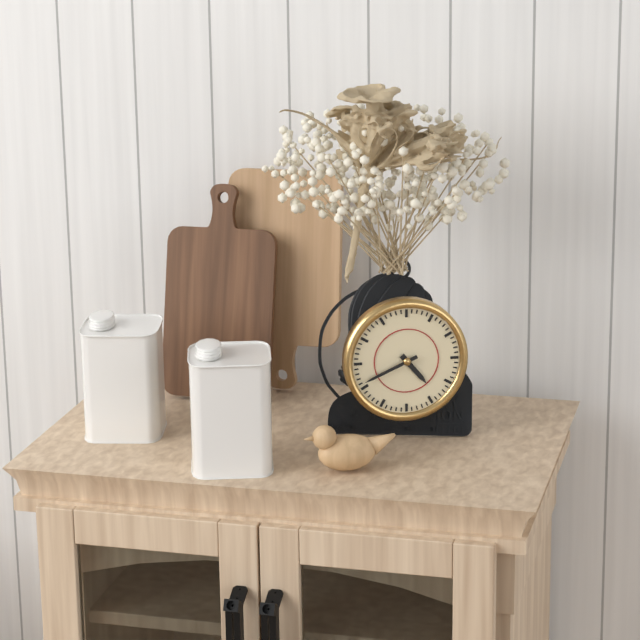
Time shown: **4:41**
